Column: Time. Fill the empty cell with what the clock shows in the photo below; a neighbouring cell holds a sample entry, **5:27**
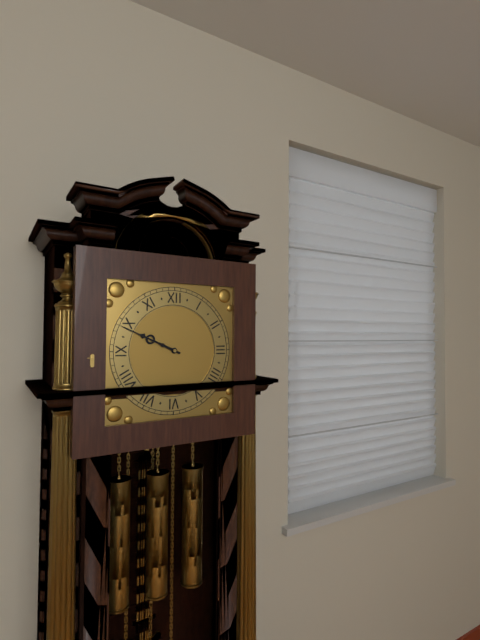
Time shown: **9:49**
